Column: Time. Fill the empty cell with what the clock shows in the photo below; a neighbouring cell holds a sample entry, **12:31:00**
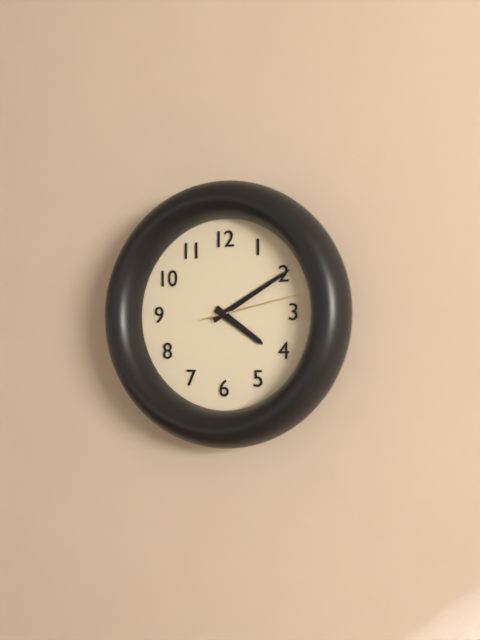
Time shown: **4:10:13**
